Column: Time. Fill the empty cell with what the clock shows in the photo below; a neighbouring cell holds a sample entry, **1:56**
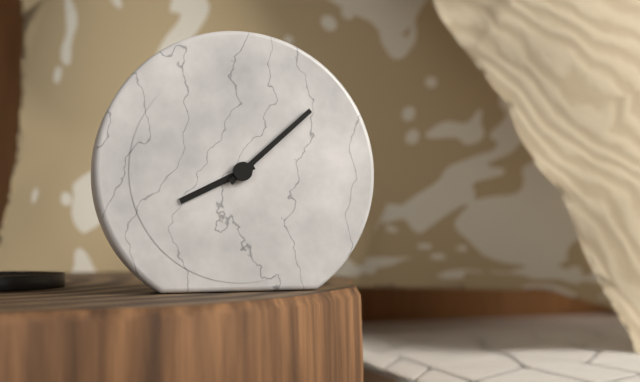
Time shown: **8:08**
